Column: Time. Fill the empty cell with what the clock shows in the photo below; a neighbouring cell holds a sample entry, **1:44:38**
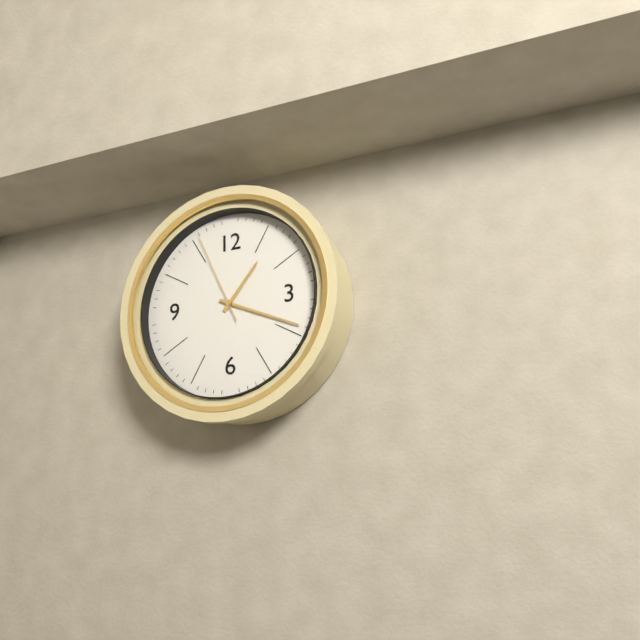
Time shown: **1:19:56**
